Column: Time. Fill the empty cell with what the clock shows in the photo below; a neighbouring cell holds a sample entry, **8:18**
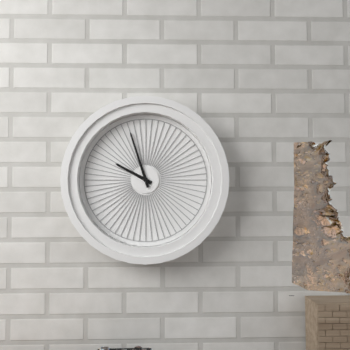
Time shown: **9:57**
